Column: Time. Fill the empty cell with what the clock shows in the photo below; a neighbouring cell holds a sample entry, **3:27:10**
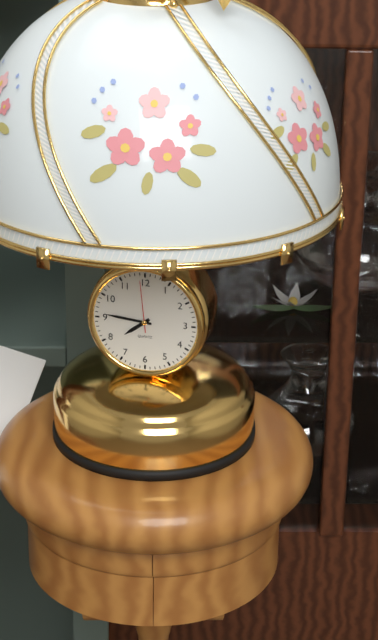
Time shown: **7:46:59**
